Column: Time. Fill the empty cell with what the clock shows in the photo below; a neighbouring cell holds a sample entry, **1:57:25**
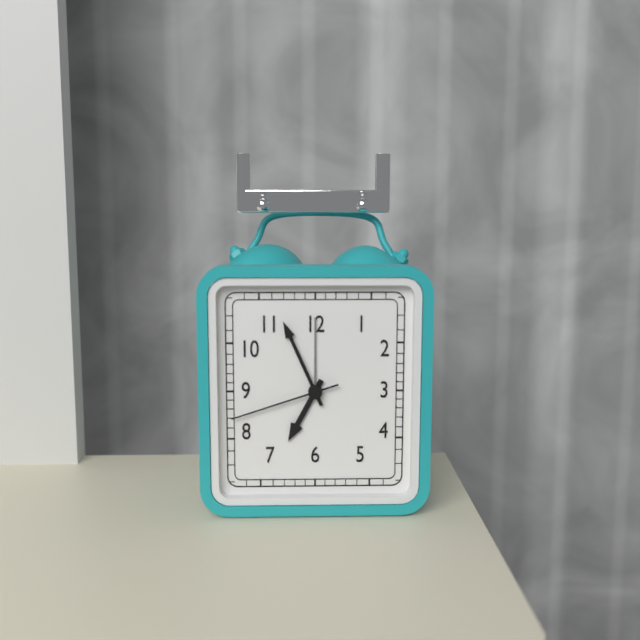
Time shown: **6:56:42**
